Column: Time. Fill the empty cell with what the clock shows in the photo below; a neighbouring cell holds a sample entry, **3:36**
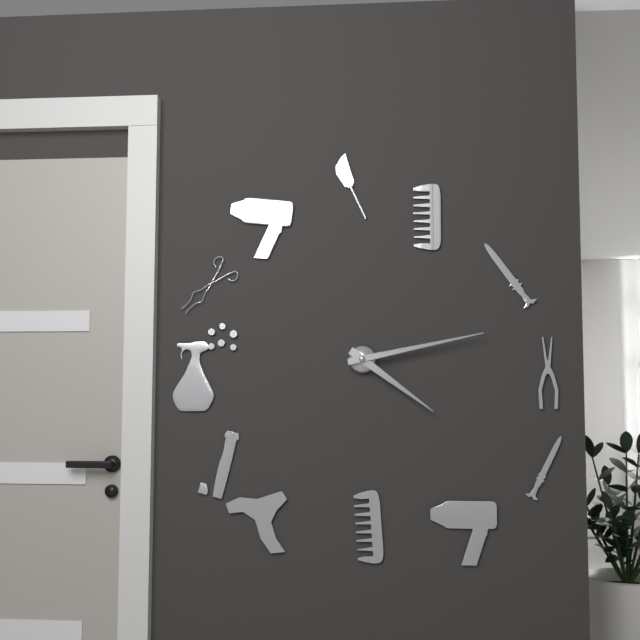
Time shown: **4:13**
